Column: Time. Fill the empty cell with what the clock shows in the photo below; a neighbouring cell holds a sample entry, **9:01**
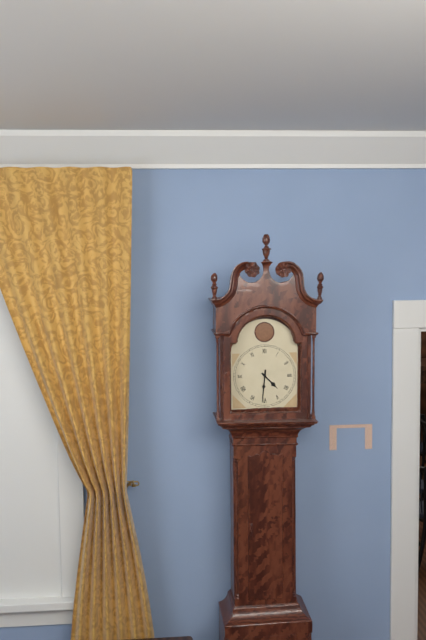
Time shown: **4:31**
